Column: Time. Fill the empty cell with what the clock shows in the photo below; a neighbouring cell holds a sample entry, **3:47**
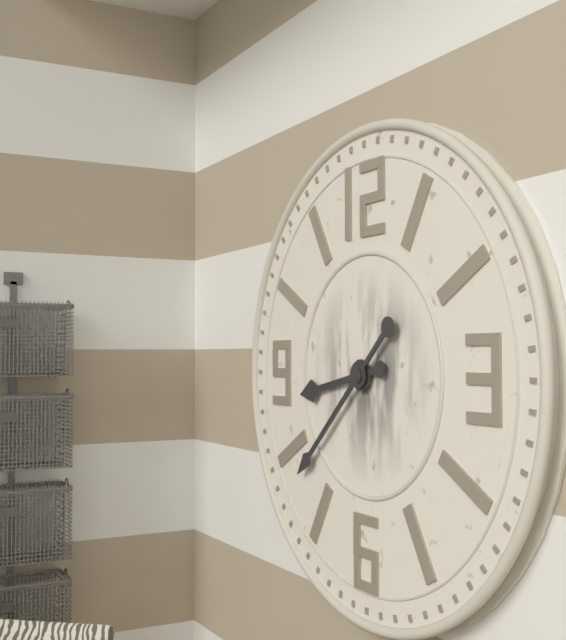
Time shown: **8:38**
